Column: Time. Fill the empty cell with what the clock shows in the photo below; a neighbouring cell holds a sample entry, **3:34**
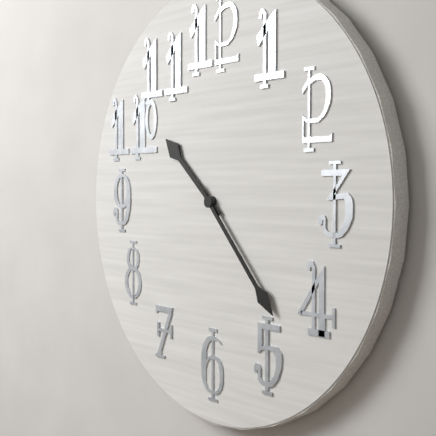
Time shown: **10:23**
